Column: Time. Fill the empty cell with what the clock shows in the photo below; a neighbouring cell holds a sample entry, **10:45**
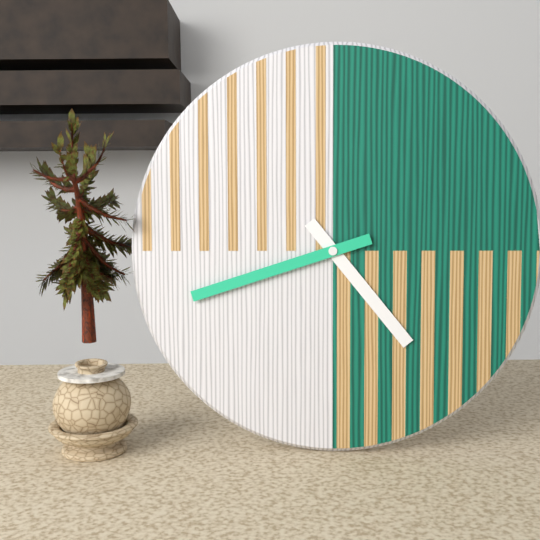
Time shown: **4:42**
